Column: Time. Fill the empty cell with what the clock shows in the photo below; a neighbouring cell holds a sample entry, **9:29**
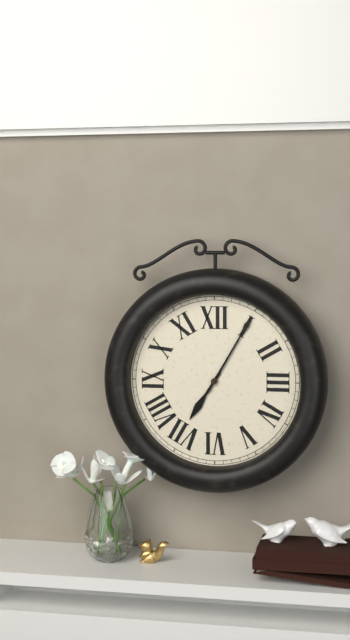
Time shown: **7:05**
